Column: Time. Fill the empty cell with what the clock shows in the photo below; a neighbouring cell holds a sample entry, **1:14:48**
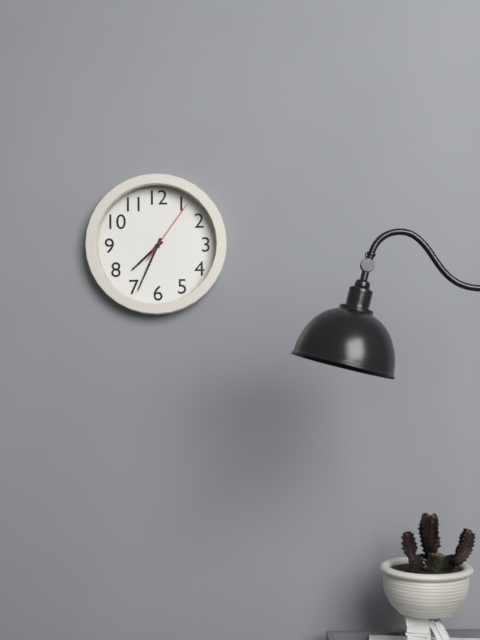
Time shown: **7:34:06**
